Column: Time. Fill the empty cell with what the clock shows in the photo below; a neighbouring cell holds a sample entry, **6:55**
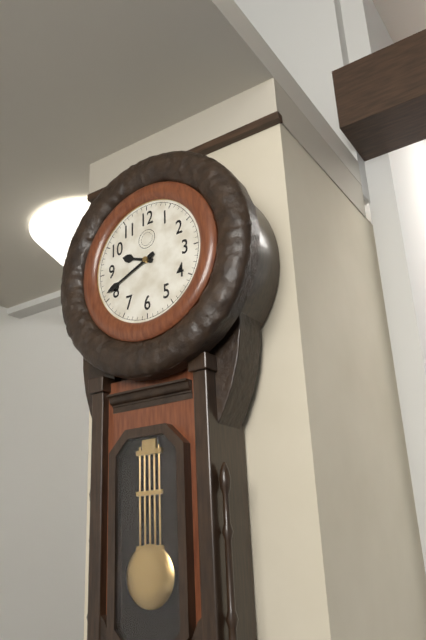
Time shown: **9:41**
